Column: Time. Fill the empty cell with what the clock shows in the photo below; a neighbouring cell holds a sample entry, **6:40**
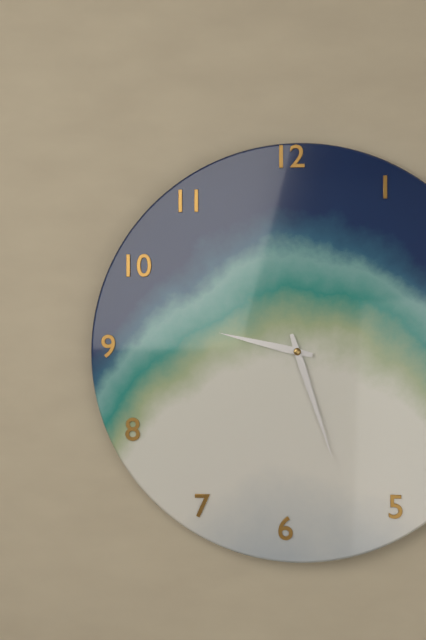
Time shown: **9:27**
